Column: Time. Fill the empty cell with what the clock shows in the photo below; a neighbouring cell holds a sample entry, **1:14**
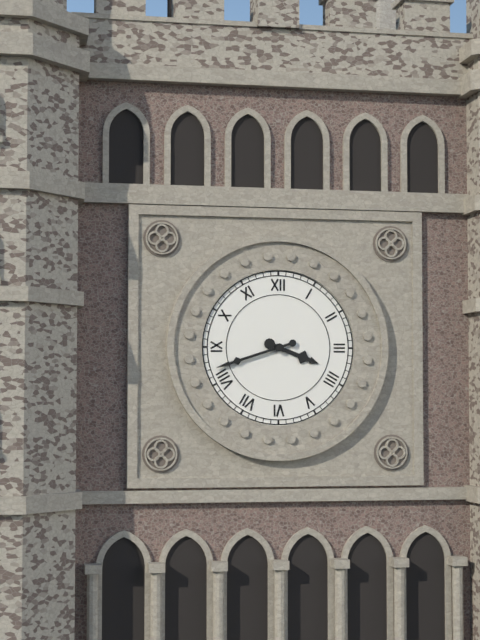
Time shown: **3:42**
